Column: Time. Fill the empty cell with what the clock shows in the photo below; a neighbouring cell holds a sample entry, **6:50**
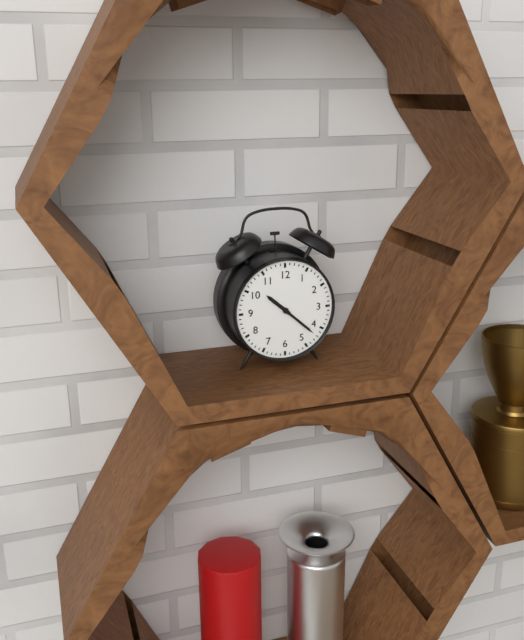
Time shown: **10:22**
